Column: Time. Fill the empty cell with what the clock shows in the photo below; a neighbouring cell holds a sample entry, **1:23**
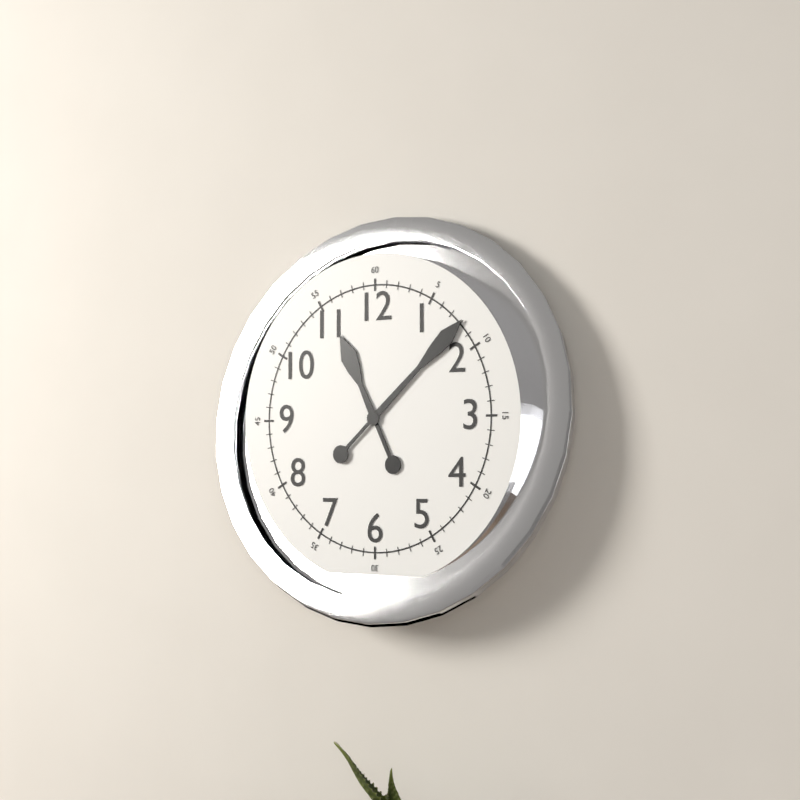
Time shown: **11:08**
